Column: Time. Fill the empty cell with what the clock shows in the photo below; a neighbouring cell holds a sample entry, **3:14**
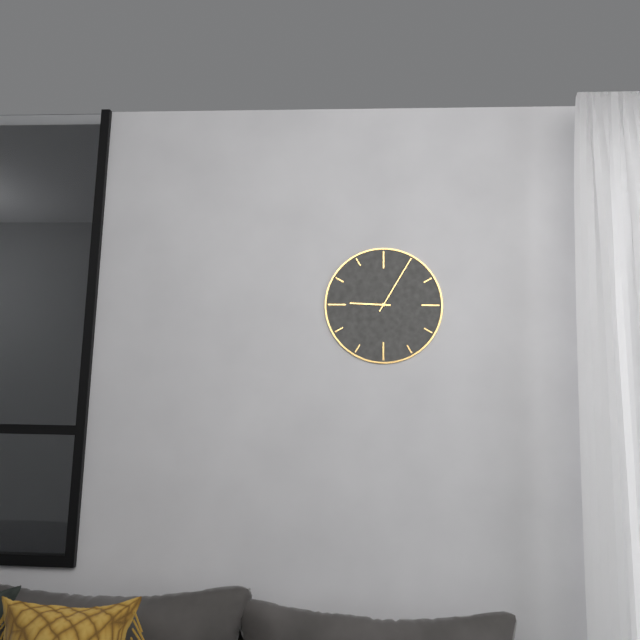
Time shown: **9:05**
